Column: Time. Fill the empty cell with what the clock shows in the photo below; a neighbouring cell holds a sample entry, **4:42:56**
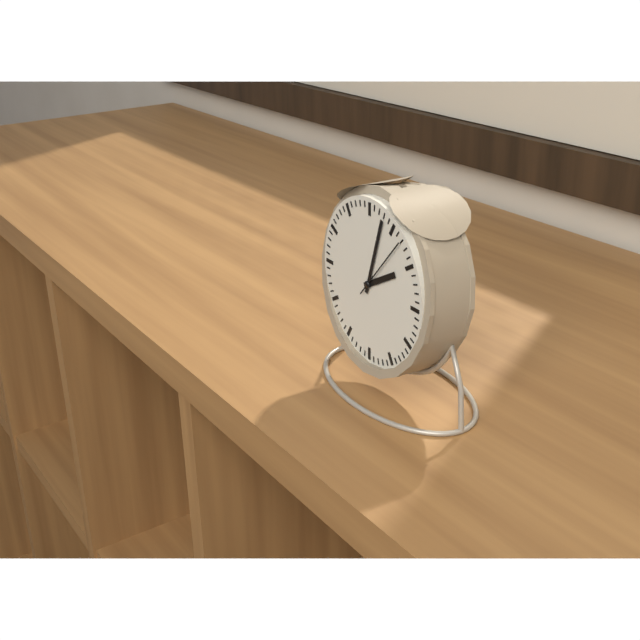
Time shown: **2:03:07**
